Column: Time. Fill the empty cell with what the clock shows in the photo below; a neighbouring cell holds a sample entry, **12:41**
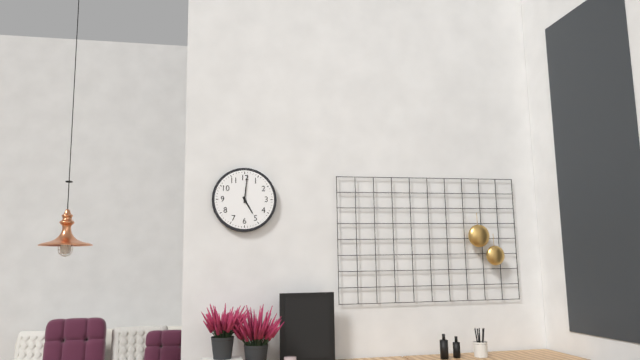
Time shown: **5:01**
